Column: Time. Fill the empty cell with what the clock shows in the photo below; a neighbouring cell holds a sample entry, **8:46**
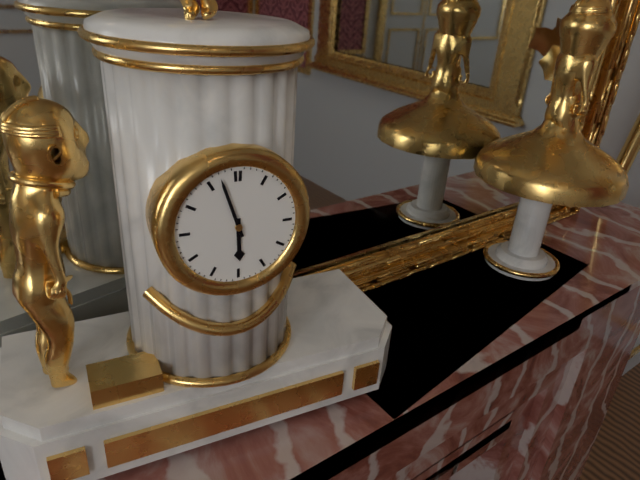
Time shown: **5:57**
